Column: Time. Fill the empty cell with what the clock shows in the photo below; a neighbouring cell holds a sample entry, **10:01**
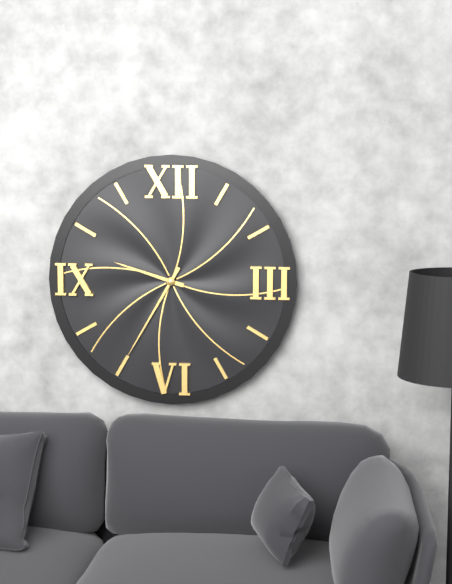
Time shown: **9:35**
